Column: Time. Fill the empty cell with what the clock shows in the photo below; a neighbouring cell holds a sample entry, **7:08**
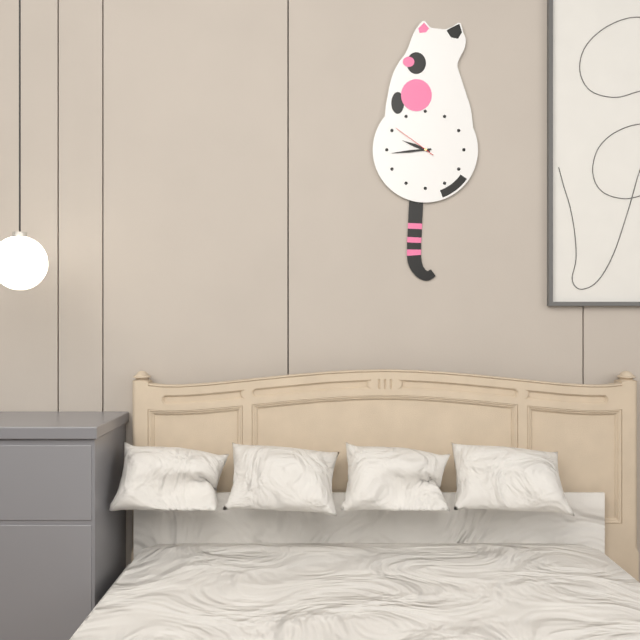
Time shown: **9:44**
